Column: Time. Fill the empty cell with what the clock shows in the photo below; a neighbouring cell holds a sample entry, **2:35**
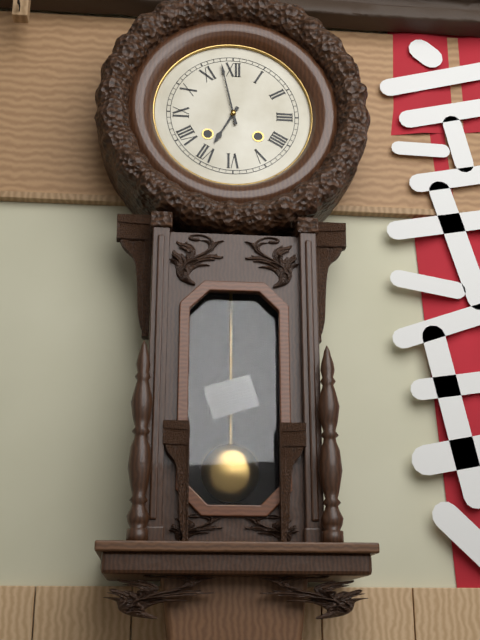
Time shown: **6:58**
